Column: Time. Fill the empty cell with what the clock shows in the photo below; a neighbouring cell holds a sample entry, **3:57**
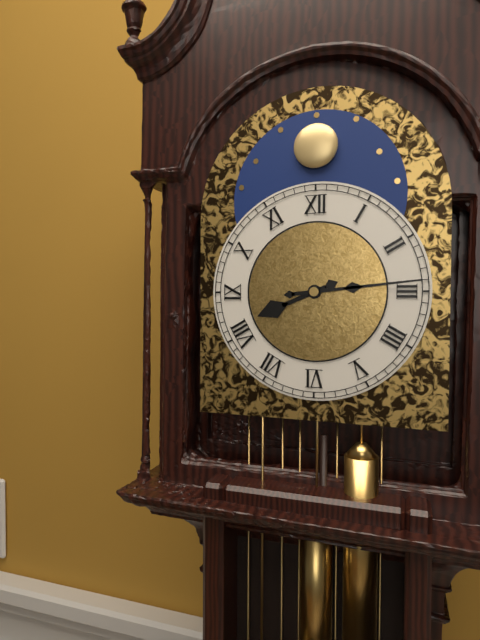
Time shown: **8:14**
